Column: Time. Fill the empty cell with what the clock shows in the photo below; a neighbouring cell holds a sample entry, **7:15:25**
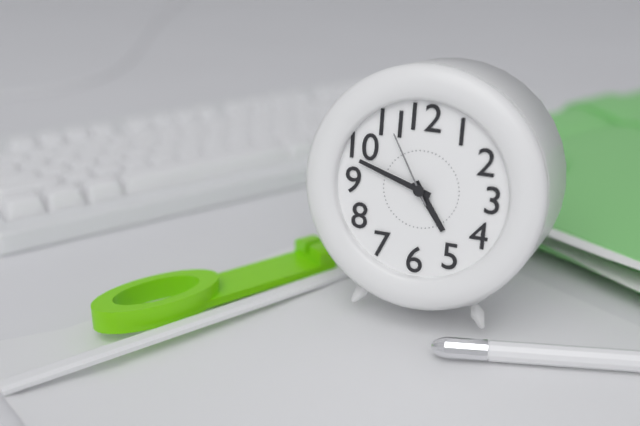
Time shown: **4:48:55**
